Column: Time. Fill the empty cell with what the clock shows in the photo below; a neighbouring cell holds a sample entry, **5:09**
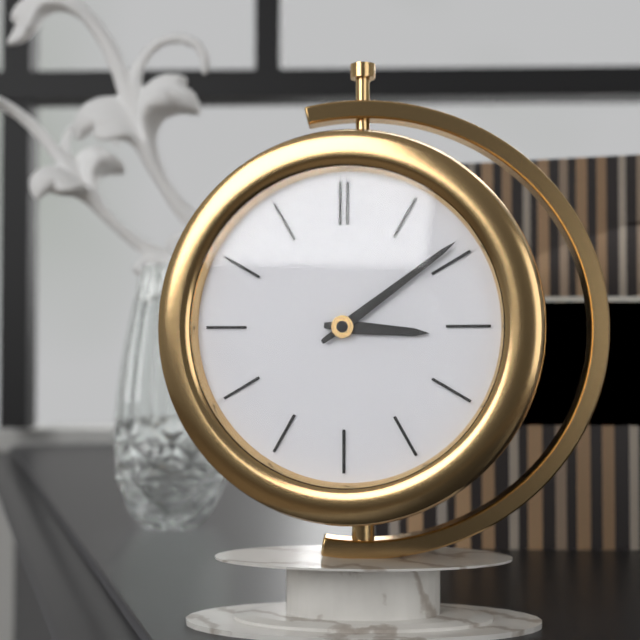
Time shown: **3:09**
